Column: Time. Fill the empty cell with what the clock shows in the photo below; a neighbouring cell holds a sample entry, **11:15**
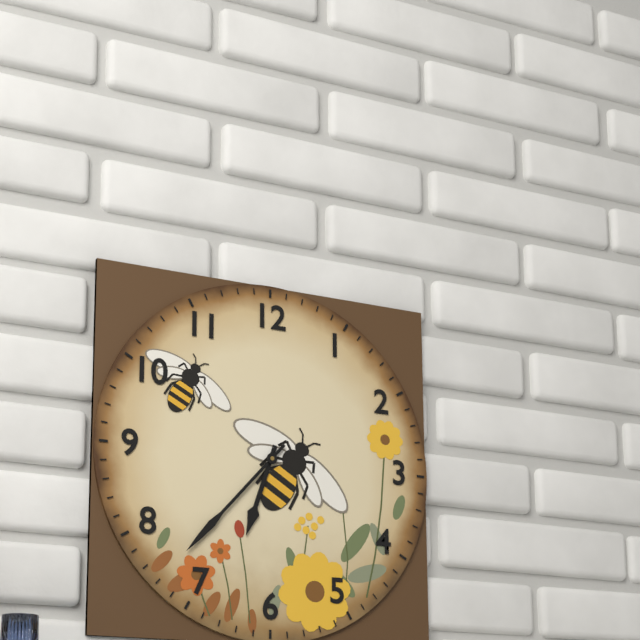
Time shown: **6:37**
